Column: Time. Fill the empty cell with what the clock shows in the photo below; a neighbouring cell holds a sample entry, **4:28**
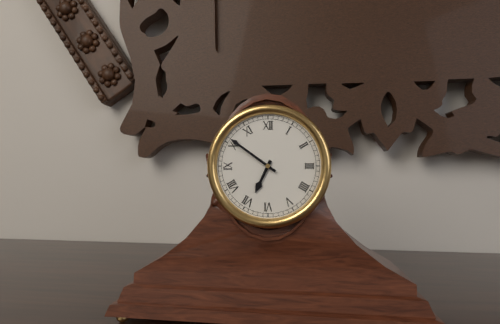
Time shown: **6:51**
